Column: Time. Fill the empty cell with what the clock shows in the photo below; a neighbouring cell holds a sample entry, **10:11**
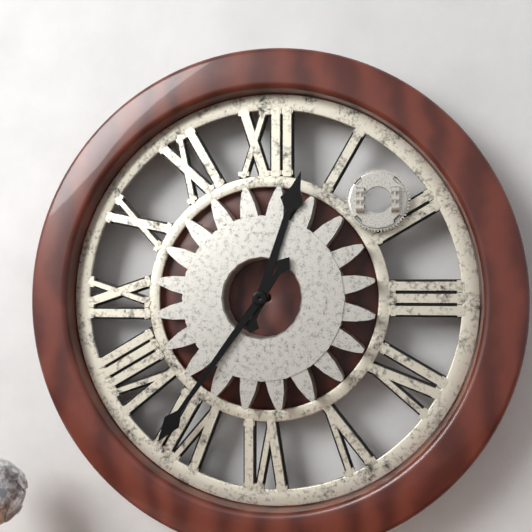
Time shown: **12:36**
